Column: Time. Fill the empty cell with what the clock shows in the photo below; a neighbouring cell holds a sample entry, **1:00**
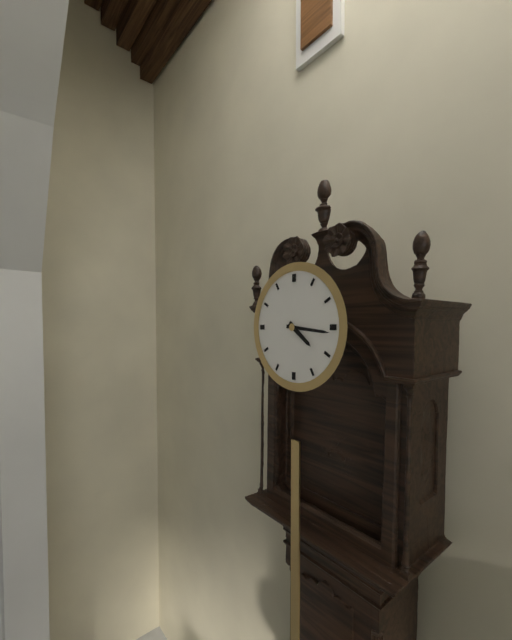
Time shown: **4:16**
